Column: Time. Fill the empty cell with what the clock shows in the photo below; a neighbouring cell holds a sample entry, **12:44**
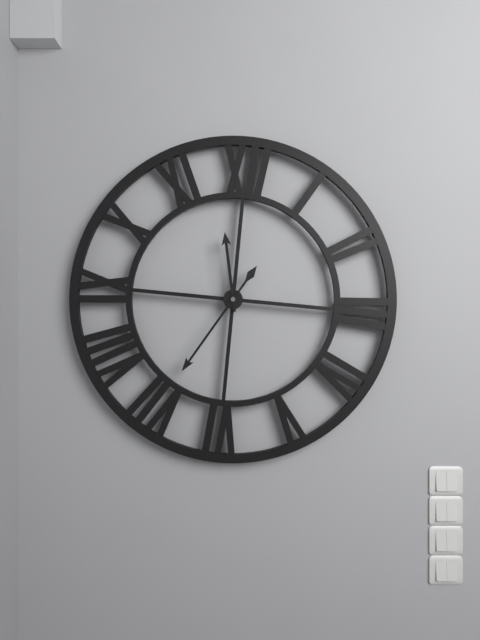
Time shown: **11:35**
